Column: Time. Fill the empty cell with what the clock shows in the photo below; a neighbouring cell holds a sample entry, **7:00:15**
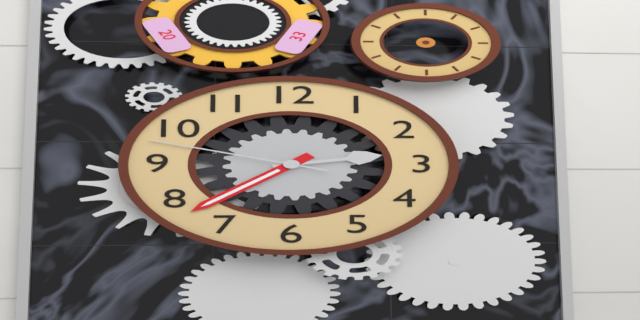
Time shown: **2:38:48**
